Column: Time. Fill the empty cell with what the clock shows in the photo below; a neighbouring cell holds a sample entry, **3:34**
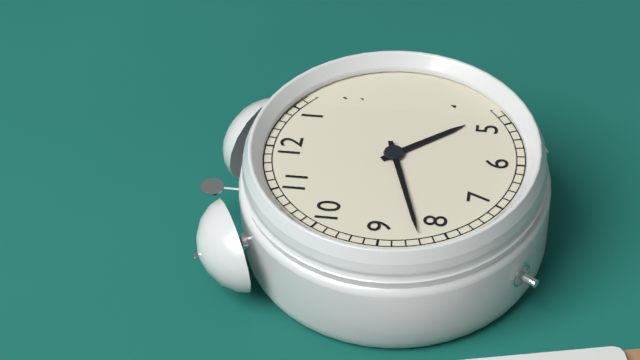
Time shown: **4:42**
